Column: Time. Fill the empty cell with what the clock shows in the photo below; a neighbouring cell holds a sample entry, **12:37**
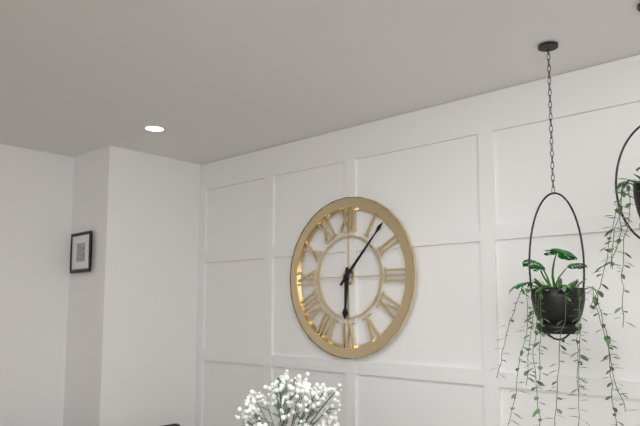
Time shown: **6:07**
